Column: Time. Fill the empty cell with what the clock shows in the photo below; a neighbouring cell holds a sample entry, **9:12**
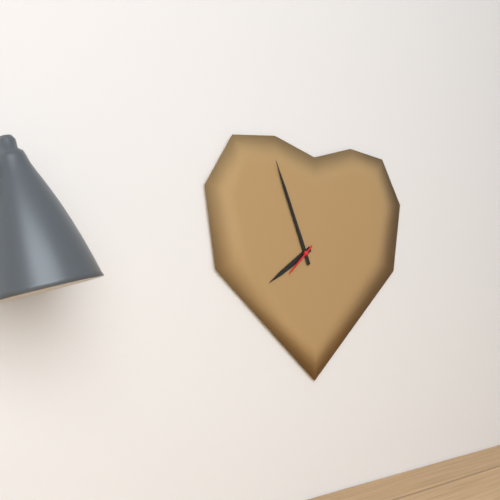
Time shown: **7:56**
